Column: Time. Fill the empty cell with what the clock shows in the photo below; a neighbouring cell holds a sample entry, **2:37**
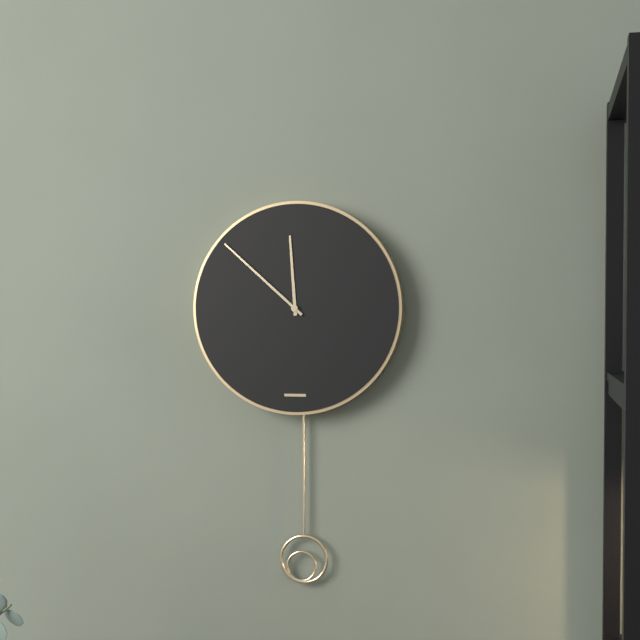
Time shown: **11:52**
